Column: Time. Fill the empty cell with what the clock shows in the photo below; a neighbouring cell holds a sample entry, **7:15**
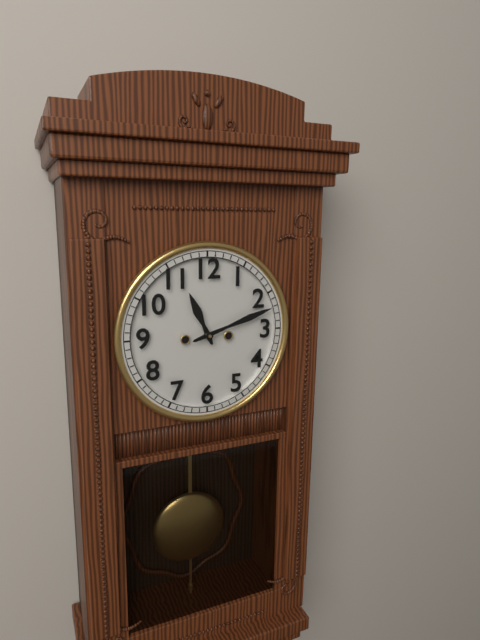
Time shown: **11:12**
